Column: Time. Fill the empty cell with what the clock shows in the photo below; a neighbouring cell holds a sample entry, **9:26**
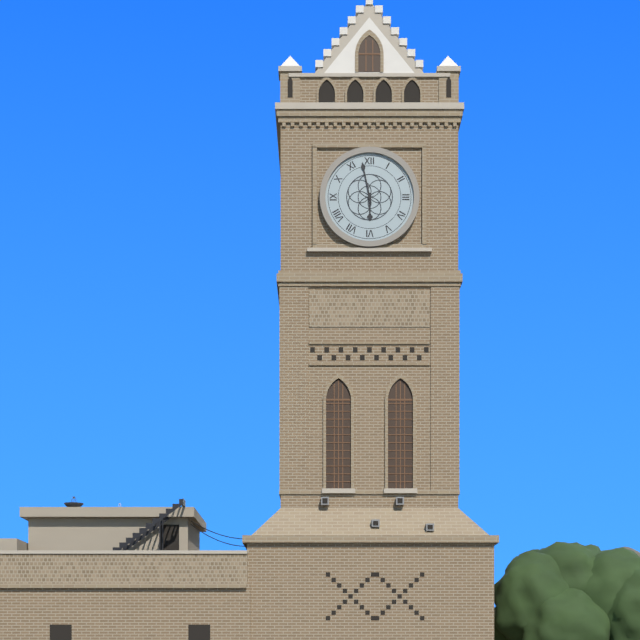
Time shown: **5:58**
